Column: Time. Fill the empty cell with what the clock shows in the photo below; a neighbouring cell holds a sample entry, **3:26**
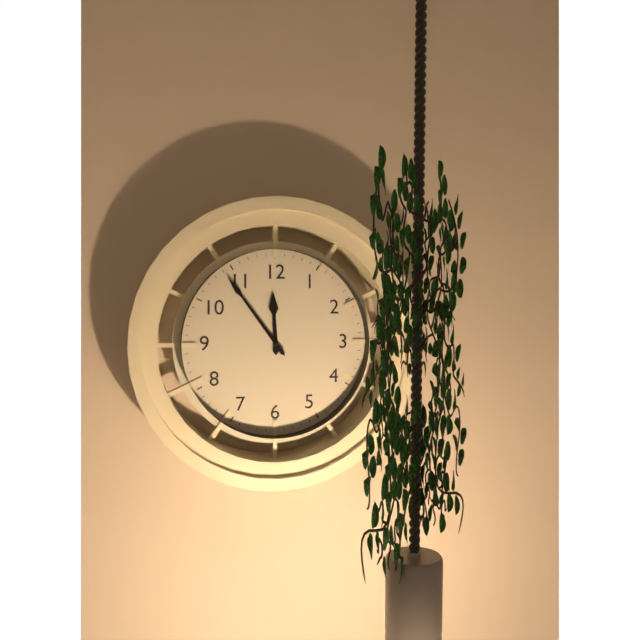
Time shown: **11:54**
